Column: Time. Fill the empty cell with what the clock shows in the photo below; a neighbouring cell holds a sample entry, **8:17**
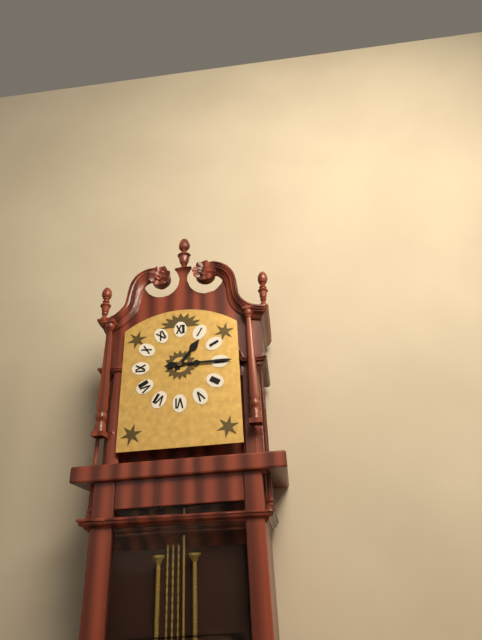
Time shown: **1:15**
